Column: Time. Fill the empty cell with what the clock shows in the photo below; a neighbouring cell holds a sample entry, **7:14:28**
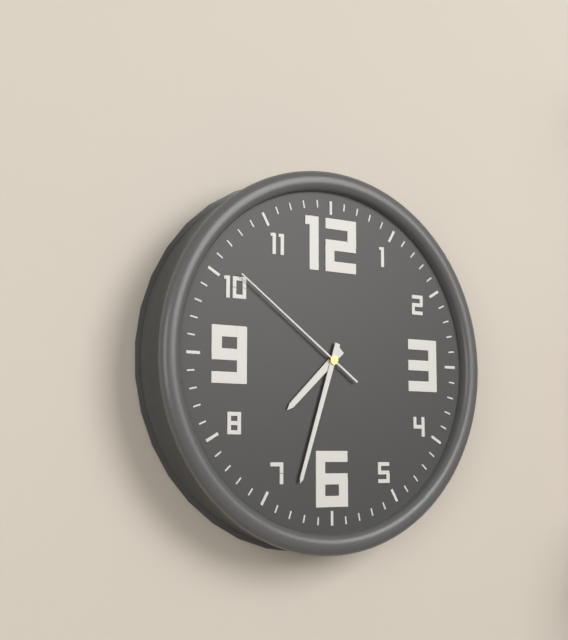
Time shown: **7:33:51**
